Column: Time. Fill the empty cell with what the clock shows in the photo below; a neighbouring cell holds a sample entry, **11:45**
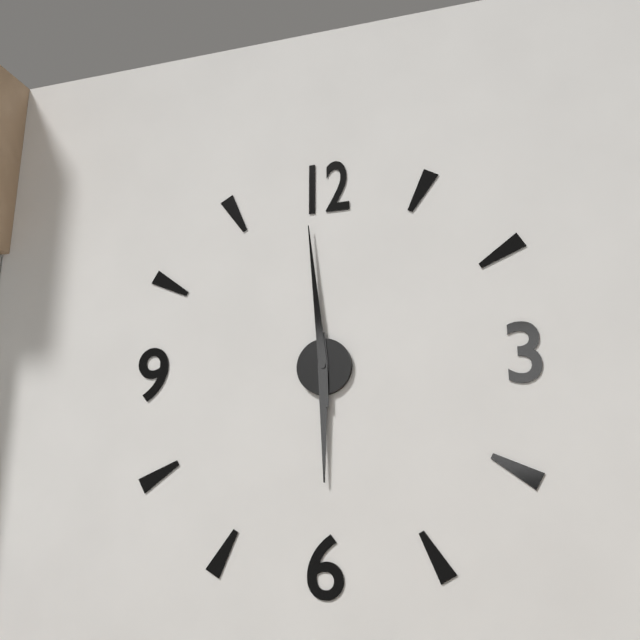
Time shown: **5:59**
